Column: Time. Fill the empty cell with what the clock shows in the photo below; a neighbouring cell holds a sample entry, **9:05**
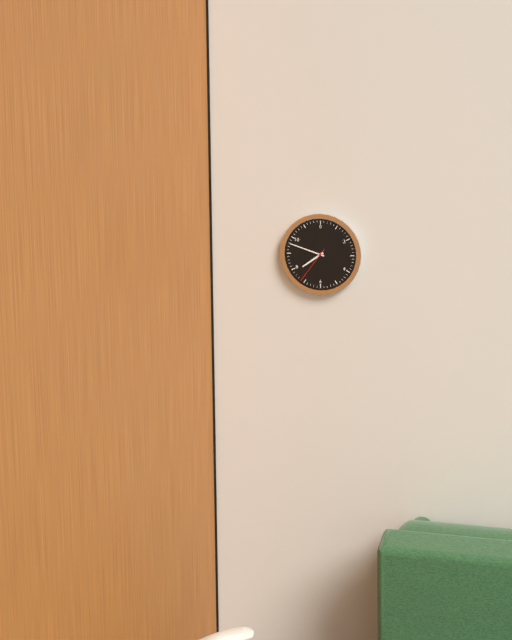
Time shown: **7:48**
